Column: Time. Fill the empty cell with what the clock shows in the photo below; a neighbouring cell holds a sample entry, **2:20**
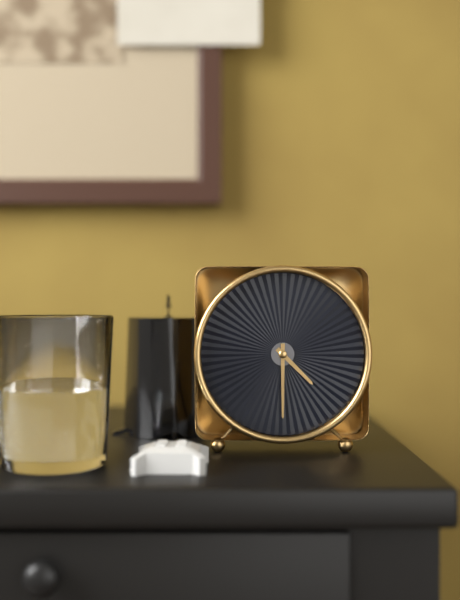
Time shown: **4:30**
